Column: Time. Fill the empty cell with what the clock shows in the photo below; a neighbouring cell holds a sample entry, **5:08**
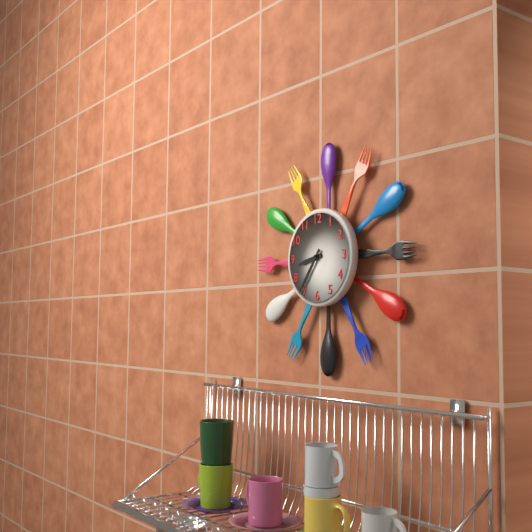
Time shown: **8:36**
